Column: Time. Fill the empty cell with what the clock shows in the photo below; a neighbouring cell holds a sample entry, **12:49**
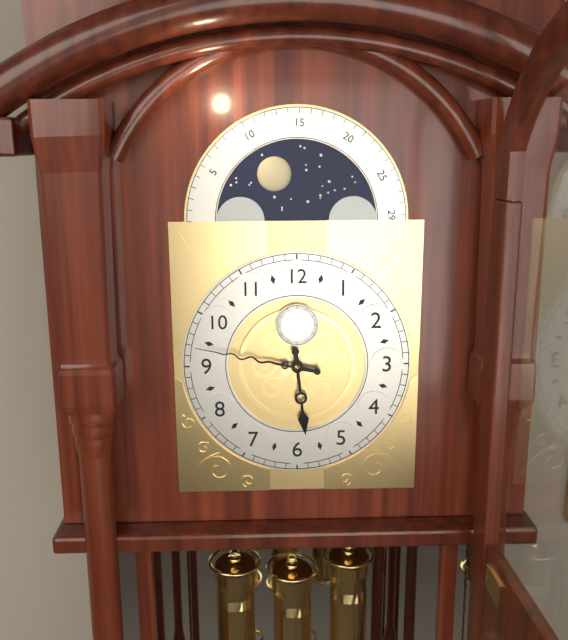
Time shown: **5:47**
